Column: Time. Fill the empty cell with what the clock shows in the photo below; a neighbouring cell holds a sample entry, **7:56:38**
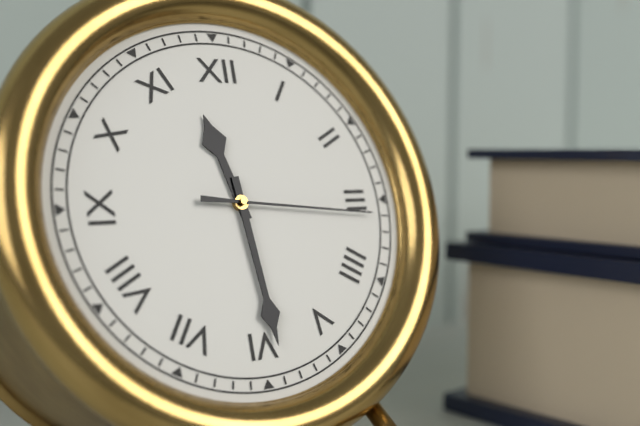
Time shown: **11:29:16**
